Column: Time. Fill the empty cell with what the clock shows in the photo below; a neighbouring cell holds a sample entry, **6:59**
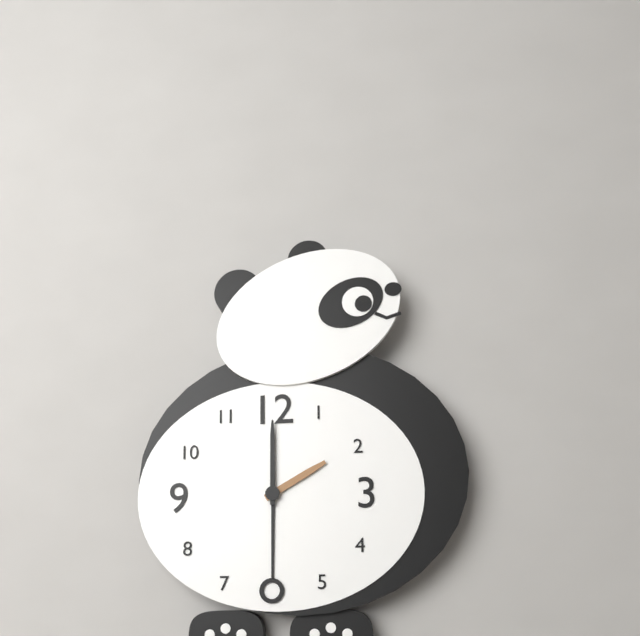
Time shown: **2:00**
